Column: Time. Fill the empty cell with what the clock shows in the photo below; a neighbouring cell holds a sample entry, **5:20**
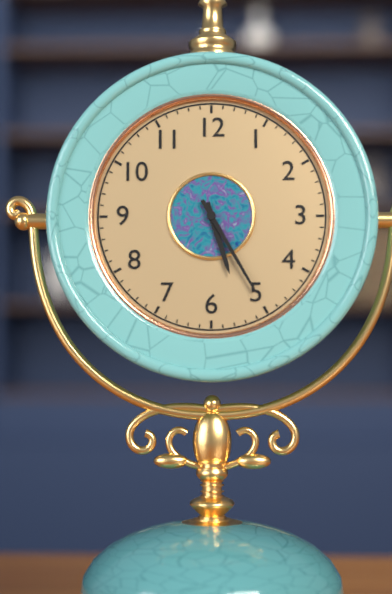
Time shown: **5:25**
